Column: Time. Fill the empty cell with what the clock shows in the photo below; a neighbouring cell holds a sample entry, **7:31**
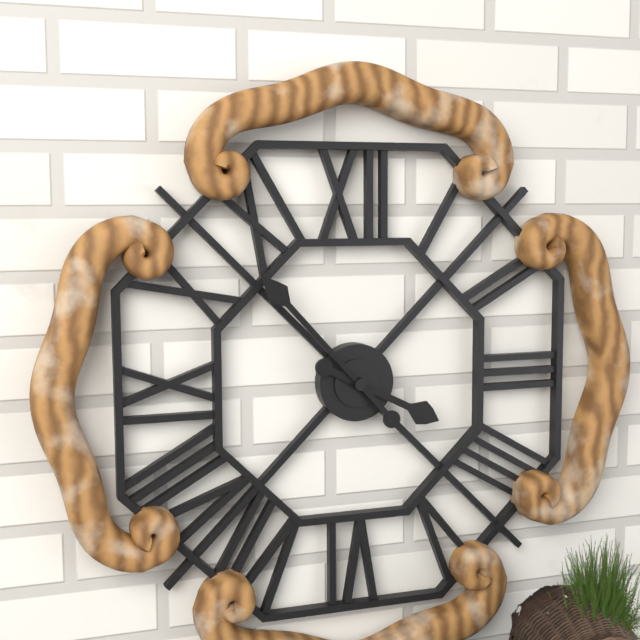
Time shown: **3:53**
